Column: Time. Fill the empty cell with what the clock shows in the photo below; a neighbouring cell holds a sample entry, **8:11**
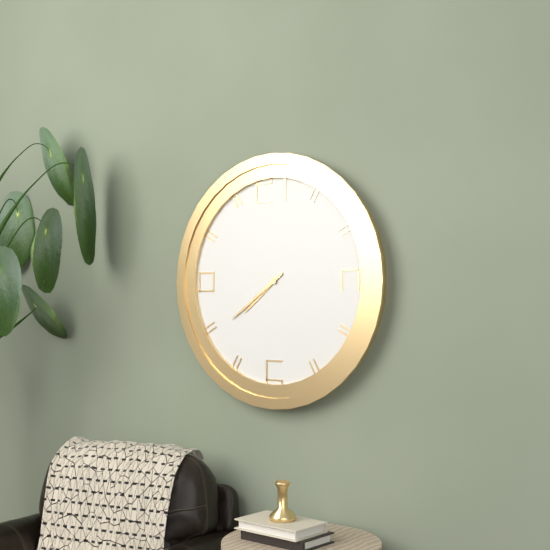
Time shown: **7:39**
